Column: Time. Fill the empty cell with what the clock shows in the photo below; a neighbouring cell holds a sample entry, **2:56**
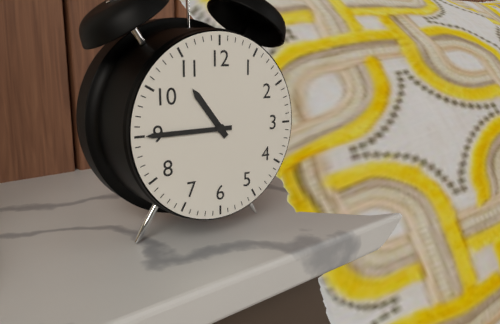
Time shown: **10:45**
